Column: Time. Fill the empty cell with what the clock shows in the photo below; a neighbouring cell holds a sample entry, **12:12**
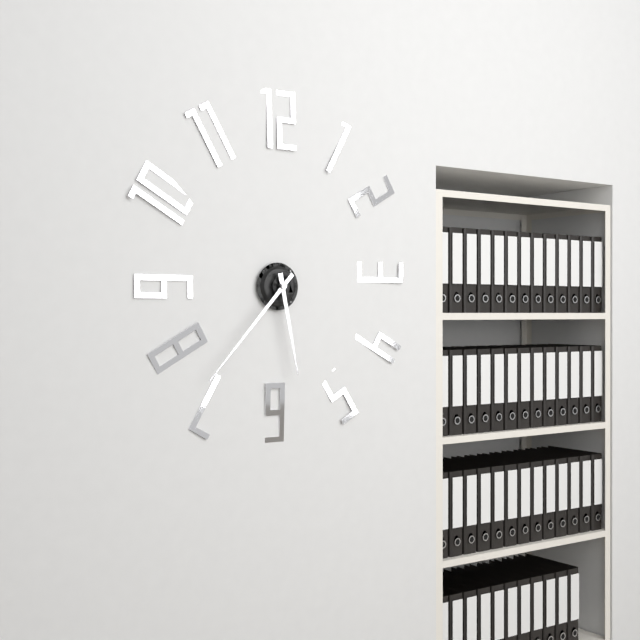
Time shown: **5:37**
